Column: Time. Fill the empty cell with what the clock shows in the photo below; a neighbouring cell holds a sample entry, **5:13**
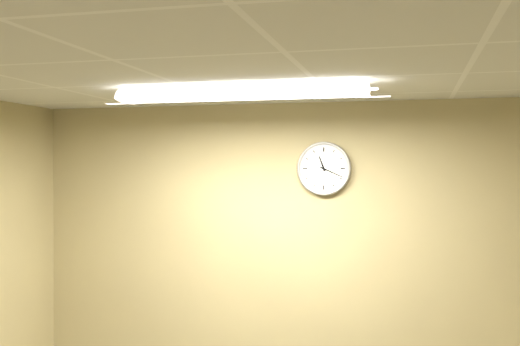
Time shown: **11:19**
